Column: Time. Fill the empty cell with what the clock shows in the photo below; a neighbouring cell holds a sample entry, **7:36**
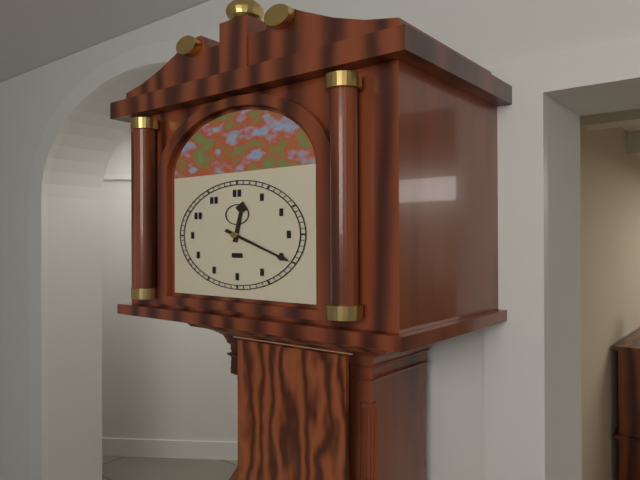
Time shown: **12:20**
